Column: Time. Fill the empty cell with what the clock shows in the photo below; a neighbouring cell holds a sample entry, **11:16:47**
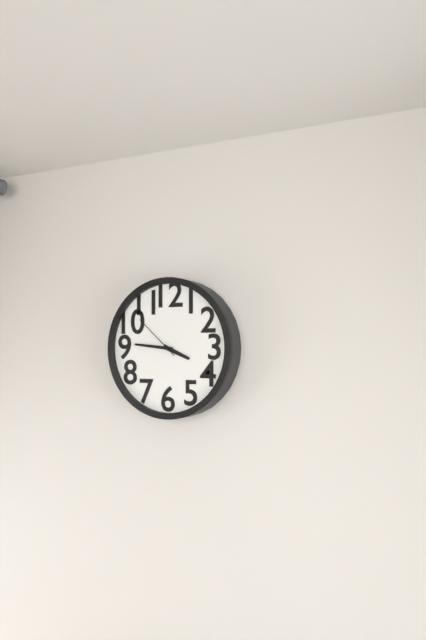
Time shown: **3:46:52**
